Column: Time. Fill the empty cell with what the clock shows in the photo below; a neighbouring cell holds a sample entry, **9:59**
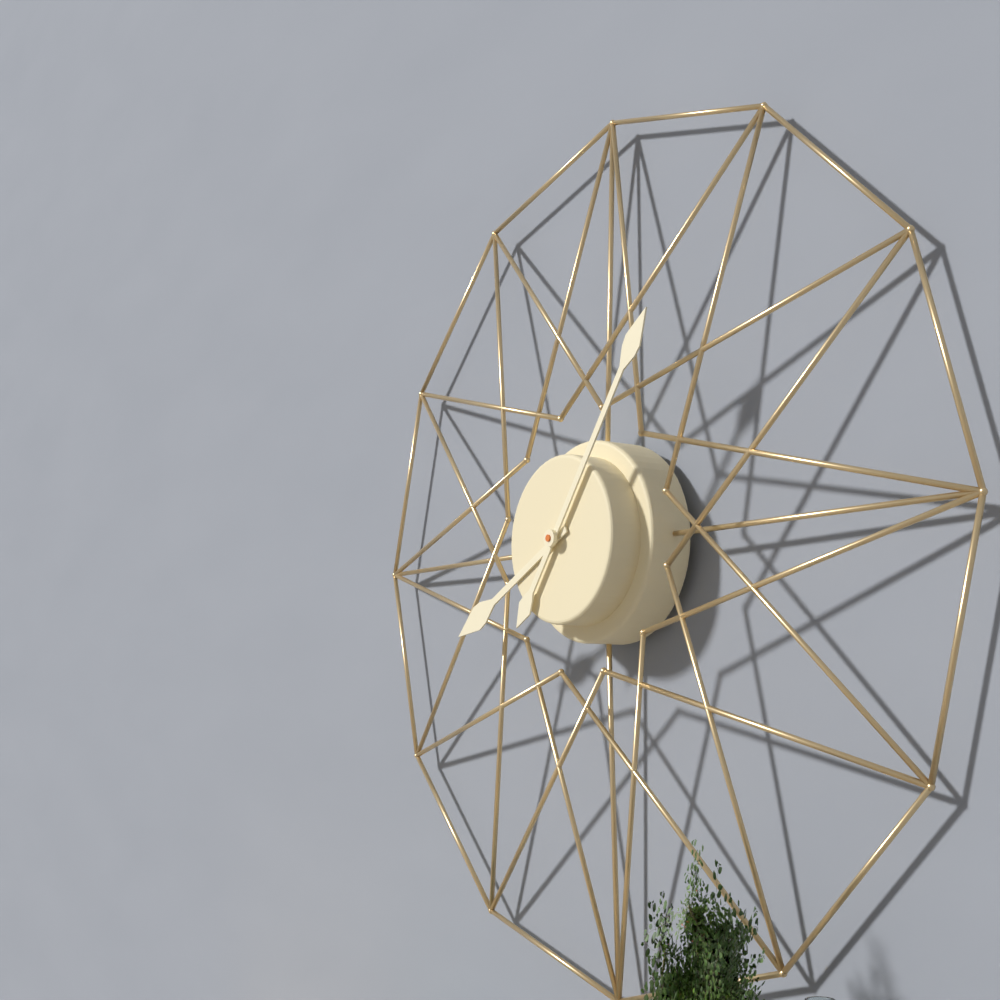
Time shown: **8:06**
